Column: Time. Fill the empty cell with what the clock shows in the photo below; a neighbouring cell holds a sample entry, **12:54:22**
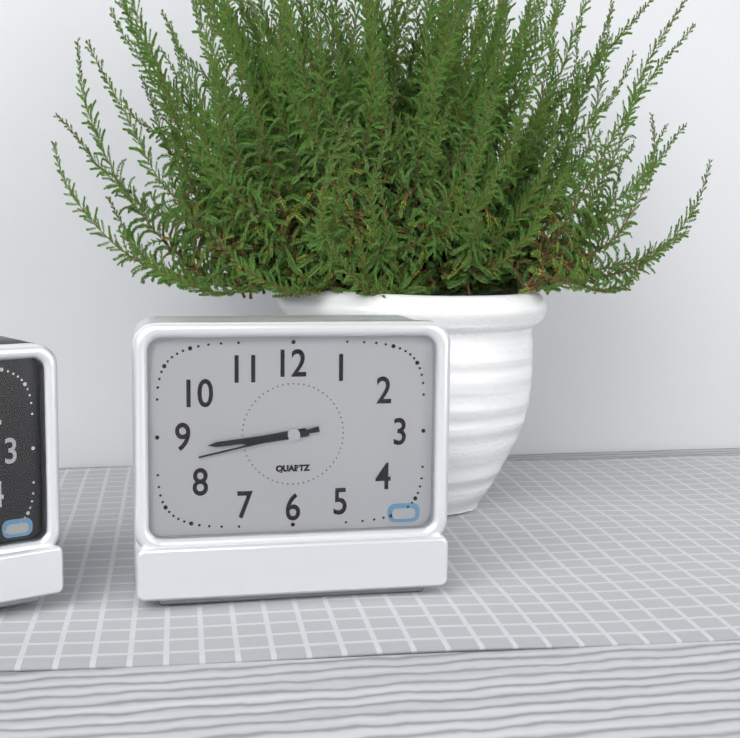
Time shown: **8:44:43**
